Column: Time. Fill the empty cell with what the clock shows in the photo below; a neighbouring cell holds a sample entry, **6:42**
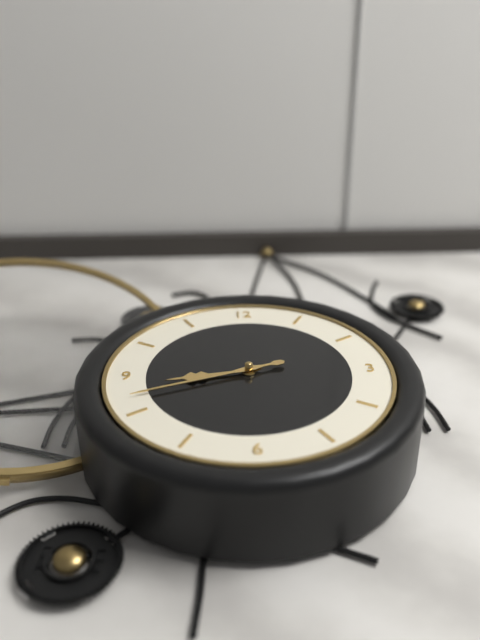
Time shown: **8:42**
